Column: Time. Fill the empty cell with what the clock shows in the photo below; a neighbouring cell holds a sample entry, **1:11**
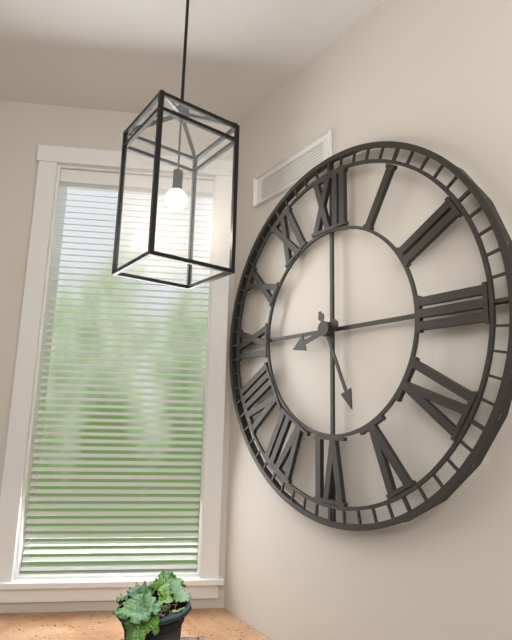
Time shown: **8:26**
